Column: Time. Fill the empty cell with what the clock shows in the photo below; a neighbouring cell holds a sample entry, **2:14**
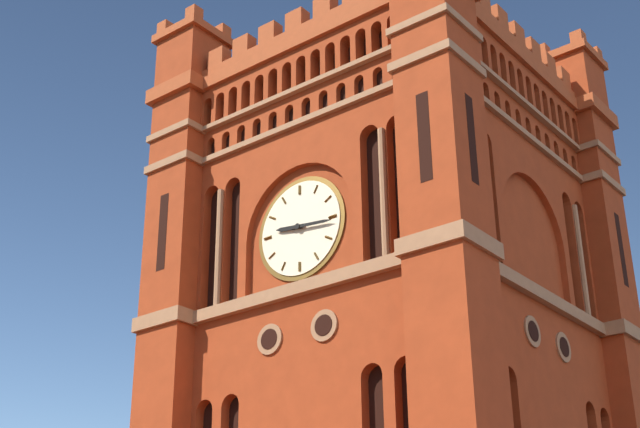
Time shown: **9:16**
